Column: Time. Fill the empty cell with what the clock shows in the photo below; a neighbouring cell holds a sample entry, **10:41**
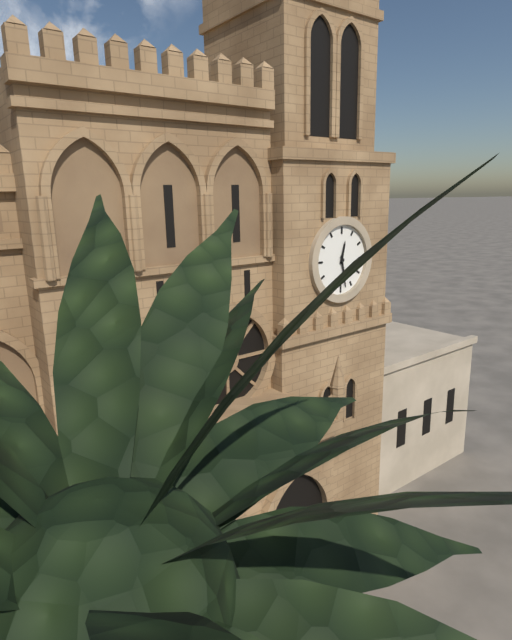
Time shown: **12:28**
